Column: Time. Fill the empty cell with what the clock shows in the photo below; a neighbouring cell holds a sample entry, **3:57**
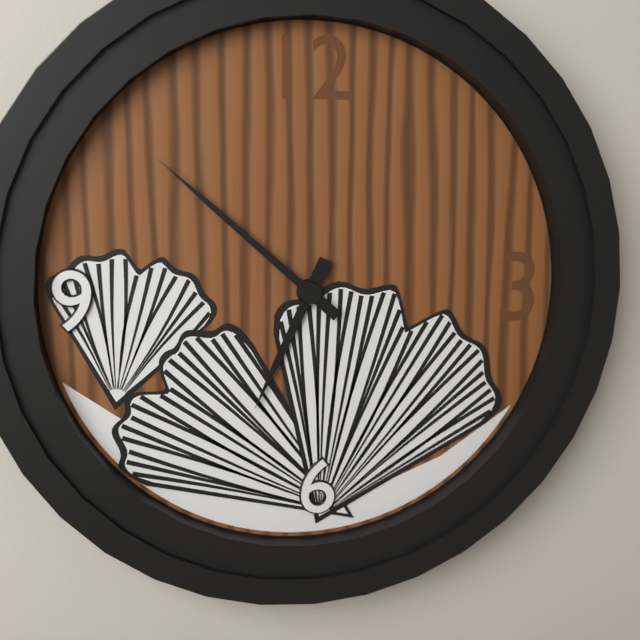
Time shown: **6:52**
